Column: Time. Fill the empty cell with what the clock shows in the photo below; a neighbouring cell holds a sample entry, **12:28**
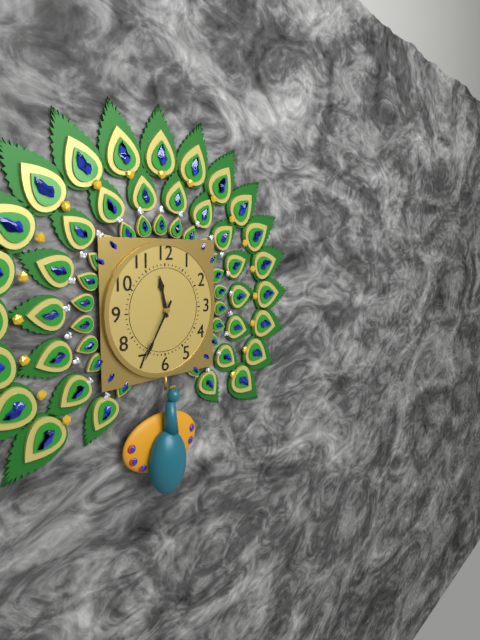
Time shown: **11:35**
